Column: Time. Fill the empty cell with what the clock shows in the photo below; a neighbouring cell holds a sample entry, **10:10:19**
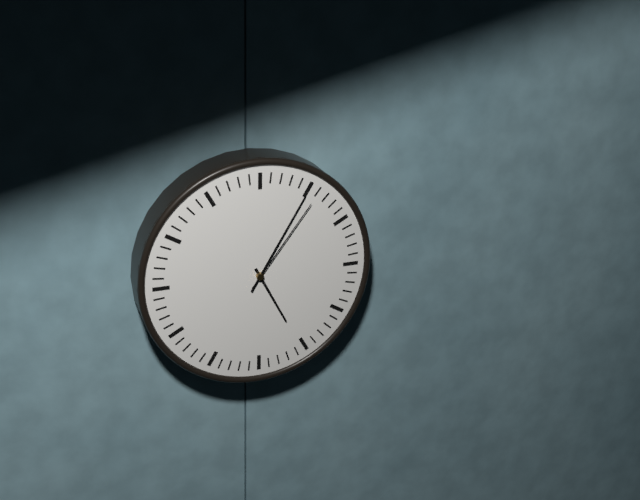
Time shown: **5:05:06**
